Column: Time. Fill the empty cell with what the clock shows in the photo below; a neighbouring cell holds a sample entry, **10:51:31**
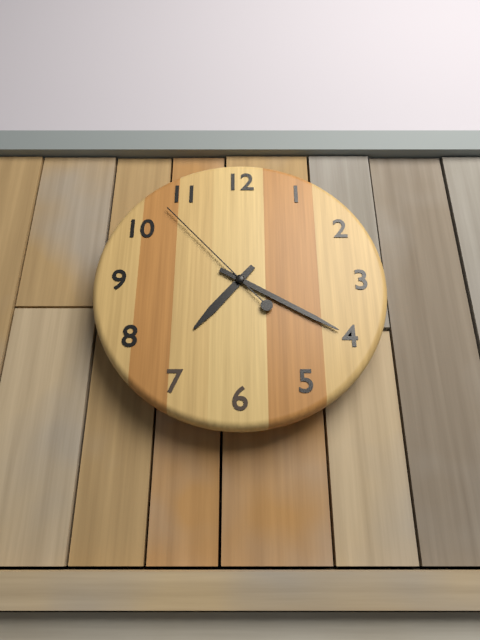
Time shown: **7:20:53**
